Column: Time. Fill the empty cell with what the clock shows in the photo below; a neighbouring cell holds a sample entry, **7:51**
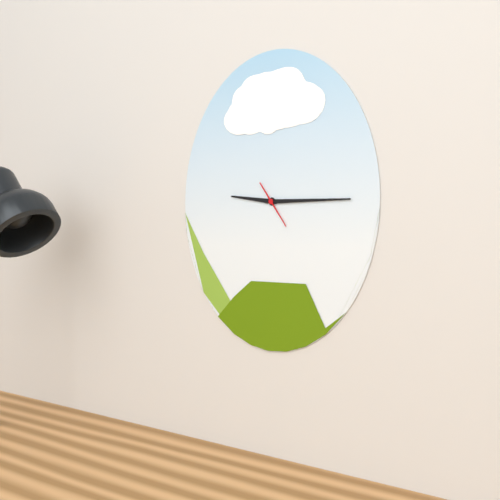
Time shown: **9:15**
